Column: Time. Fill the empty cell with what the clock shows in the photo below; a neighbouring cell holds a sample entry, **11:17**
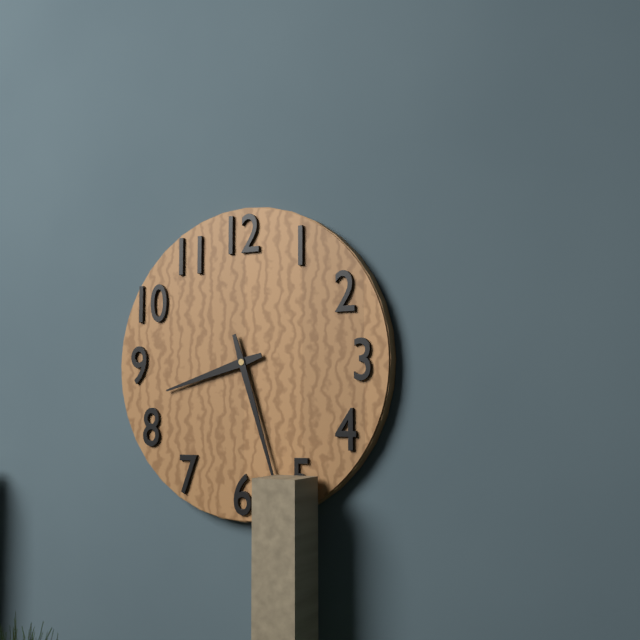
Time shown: **8:27**
